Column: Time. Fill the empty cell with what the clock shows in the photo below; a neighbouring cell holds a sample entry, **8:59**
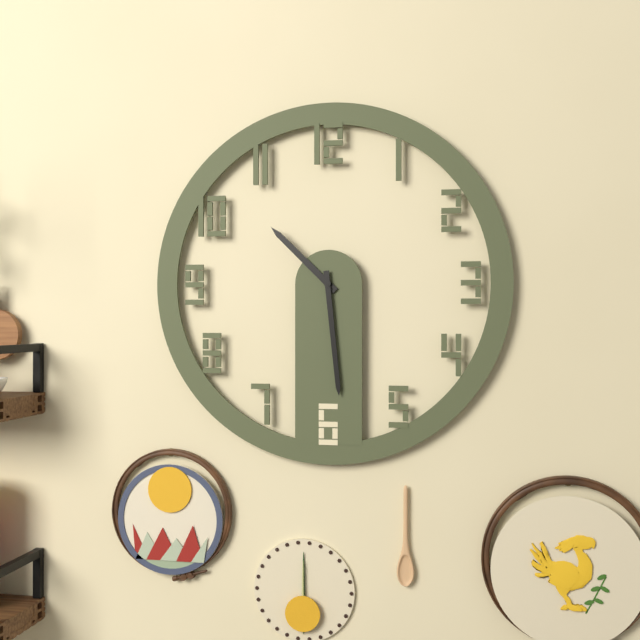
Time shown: **10:29**
